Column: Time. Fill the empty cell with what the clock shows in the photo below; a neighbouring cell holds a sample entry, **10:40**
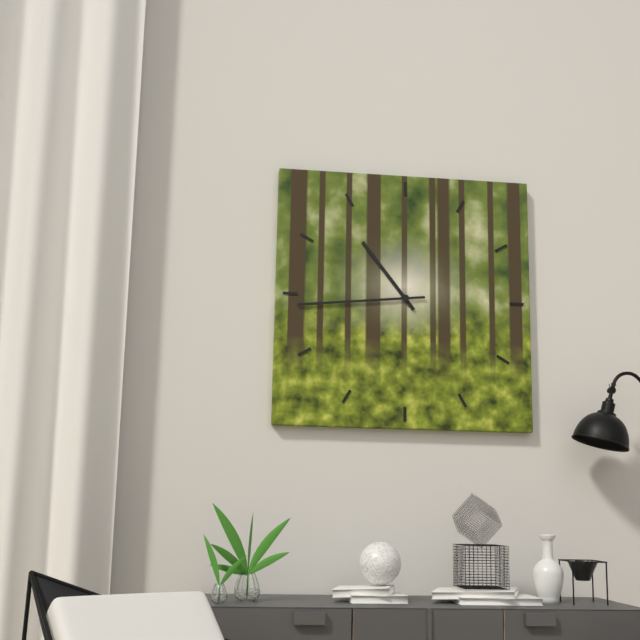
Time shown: **10:44**
